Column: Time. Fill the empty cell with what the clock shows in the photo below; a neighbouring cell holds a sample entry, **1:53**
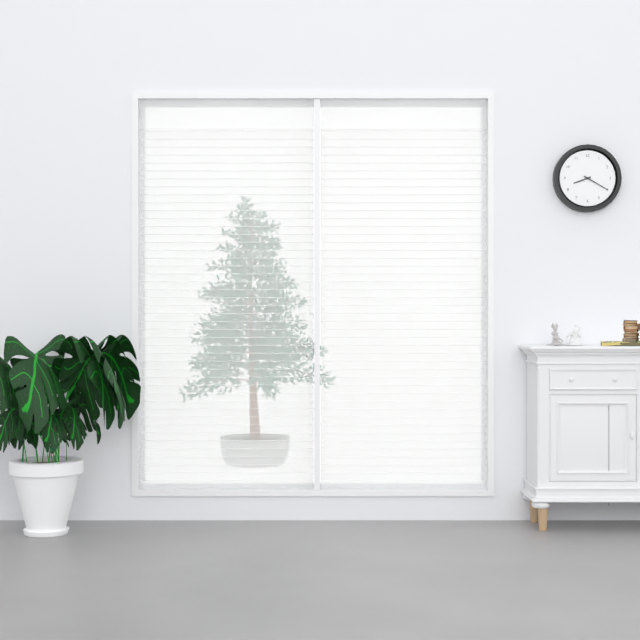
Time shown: **8:20**
